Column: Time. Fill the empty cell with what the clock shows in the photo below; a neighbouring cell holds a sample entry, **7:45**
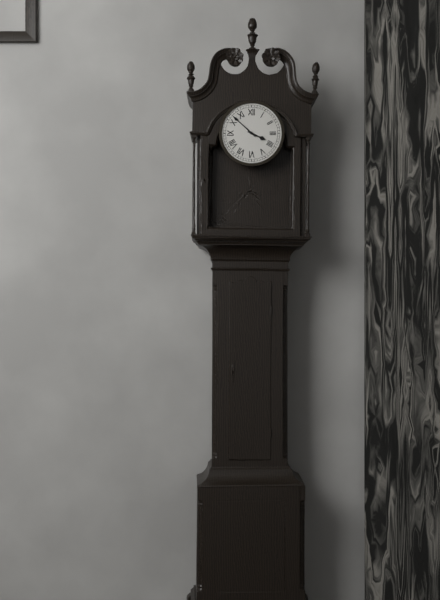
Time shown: **3:52**
